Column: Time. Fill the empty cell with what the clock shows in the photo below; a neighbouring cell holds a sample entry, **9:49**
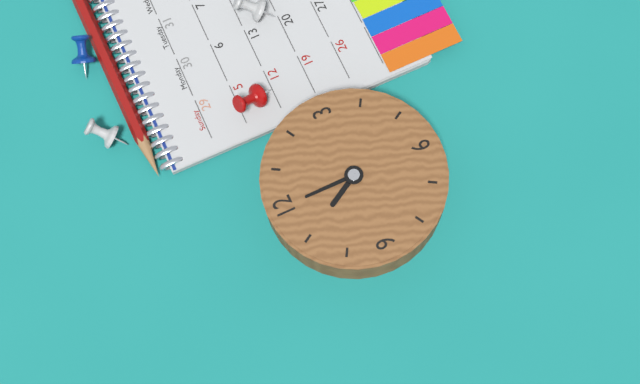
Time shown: **11:00**
